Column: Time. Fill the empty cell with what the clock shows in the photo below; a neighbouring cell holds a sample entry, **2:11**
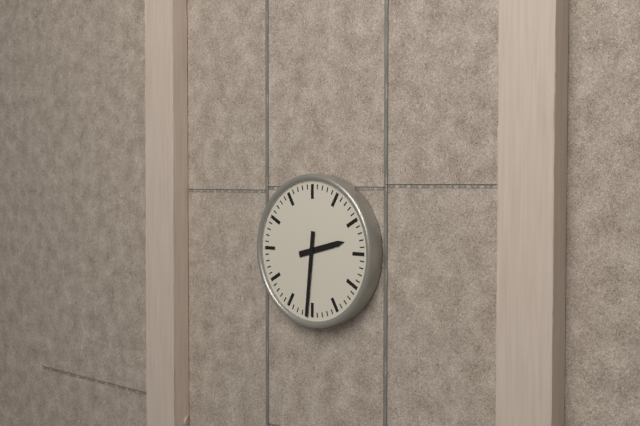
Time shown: **2:31**
